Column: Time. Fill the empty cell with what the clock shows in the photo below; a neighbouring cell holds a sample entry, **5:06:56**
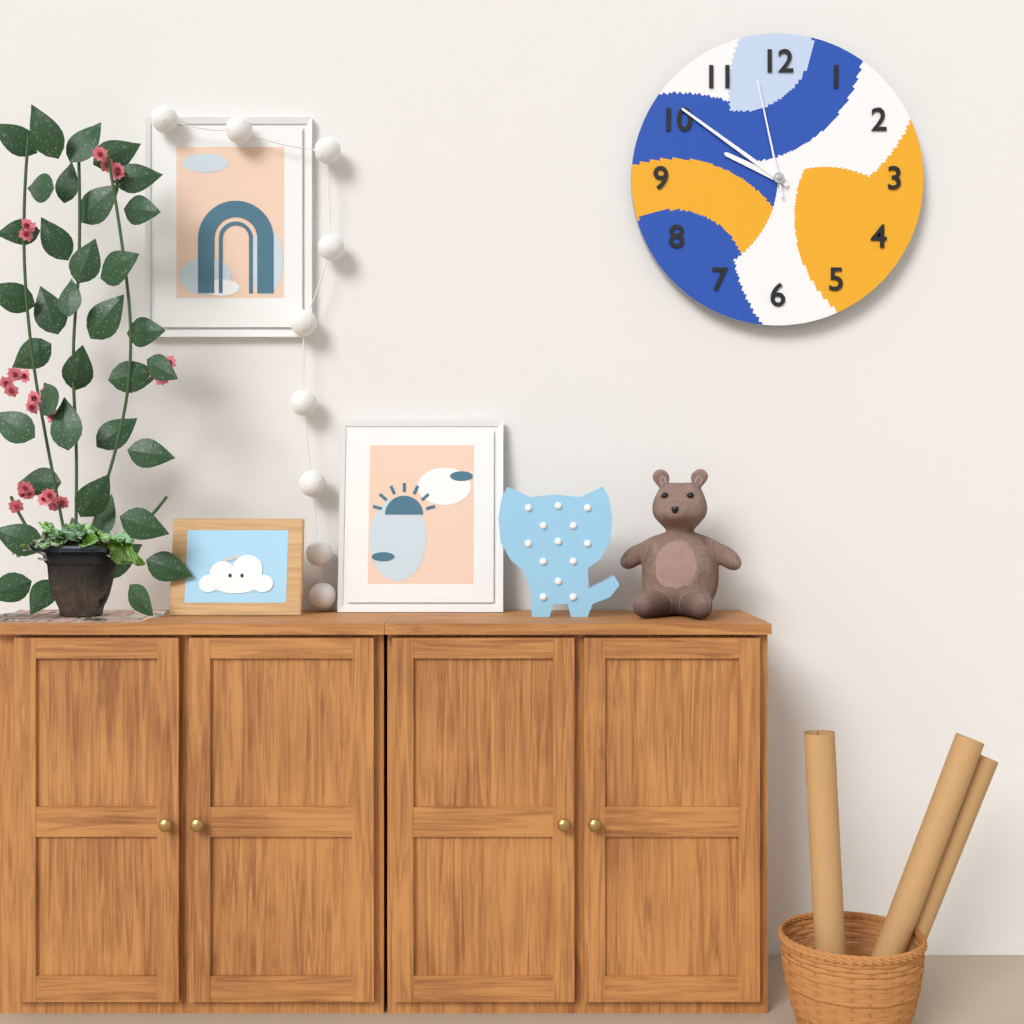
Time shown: **9:51:58**
